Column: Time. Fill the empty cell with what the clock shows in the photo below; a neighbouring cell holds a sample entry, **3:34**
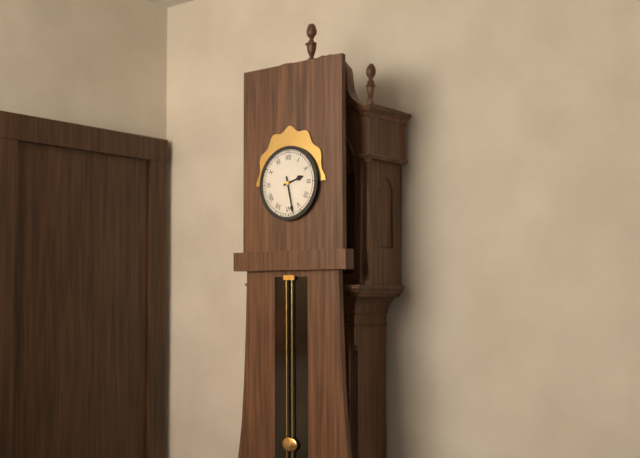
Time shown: **2:28**
